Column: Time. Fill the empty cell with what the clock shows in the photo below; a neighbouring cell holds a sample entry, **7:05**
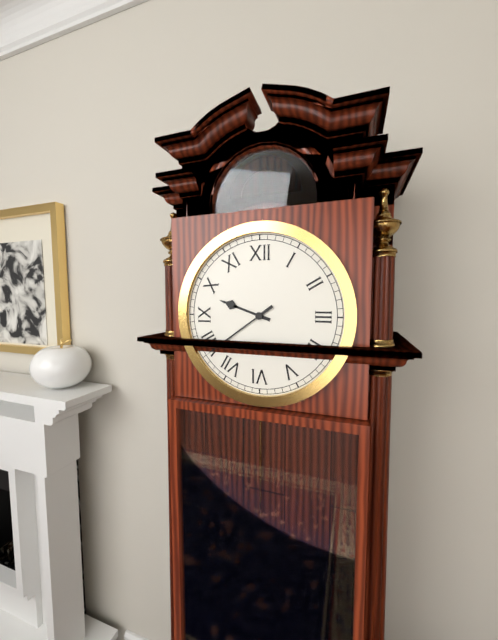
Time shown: **9:39**
